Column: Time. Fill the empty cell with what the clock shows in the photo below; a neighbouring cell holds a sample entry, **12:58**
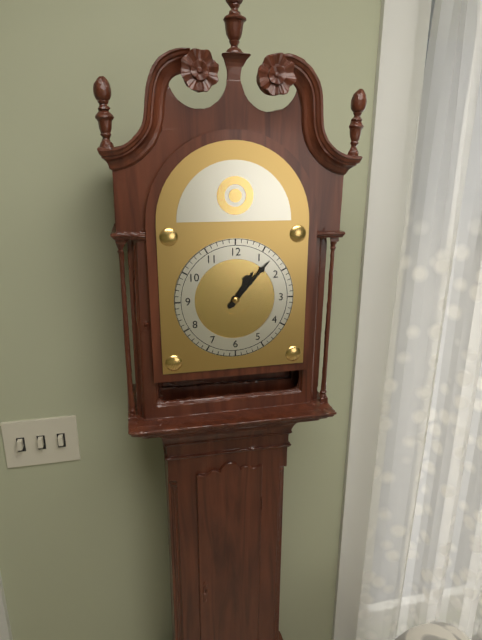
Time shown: **1:07**
